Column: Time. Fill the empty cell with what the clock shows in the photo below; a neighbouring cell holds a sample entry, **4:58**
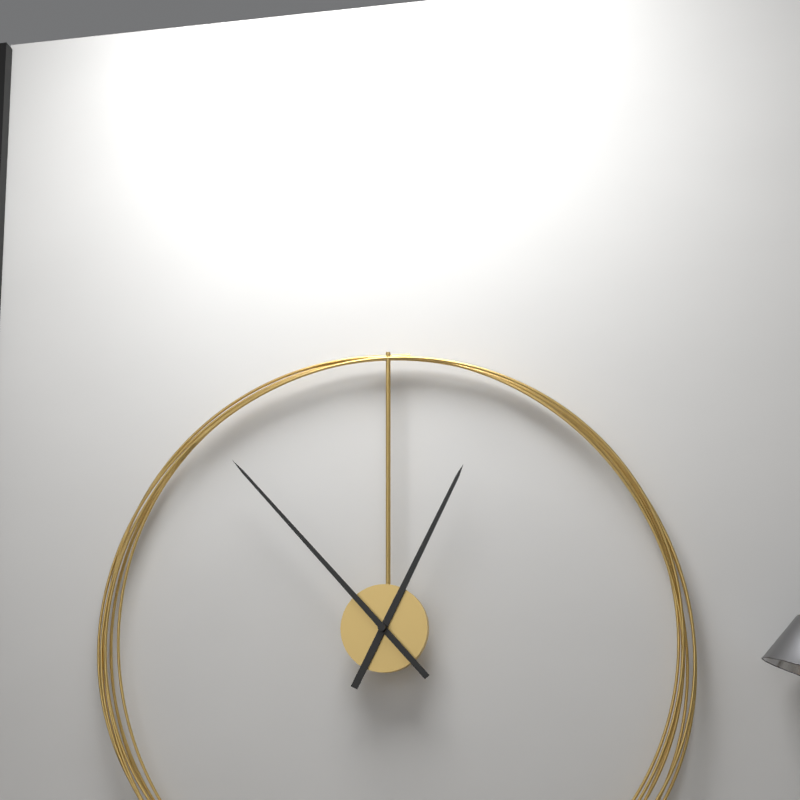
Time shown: **12:53**
